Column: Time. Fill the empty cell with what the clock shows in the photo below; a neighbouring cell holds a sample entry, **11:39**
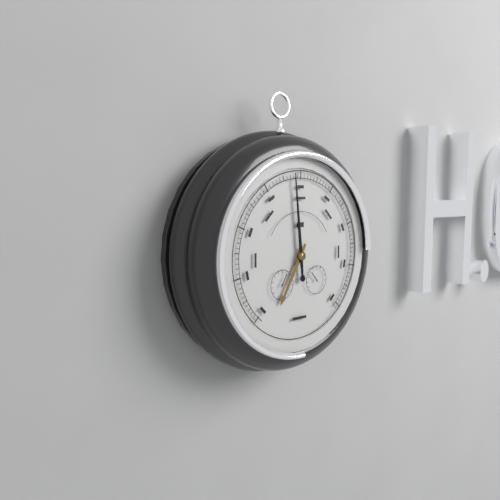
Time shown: **6:59**
